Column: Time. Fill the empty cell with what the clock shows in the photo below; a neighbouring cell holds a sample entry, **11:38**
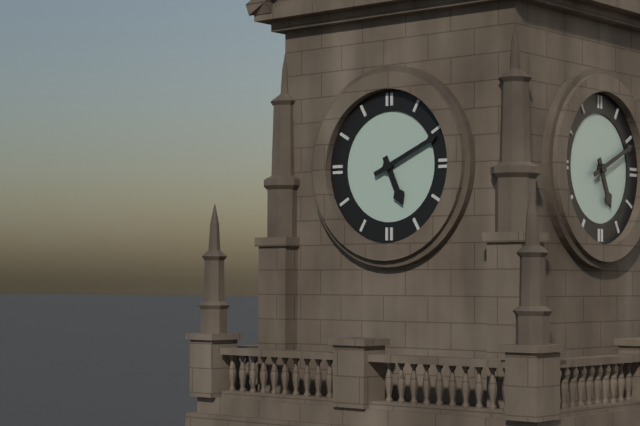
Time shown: **5:11**
